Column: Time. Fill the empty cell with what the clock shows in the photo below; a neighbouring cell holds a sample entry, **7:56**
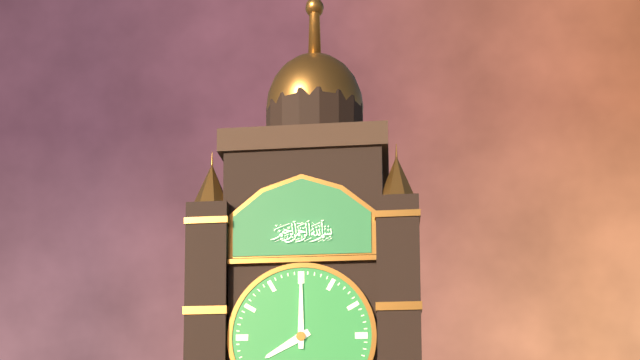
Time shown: **8:00**
